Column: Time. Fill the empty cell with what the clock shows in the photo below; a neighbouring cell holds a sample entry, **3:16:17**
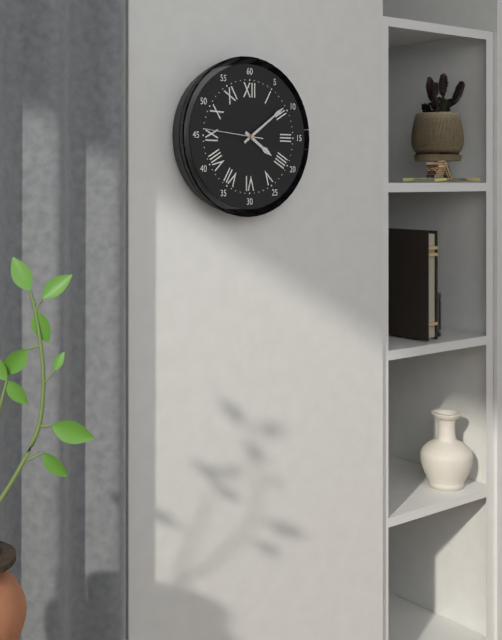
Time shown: **4:09:46**
